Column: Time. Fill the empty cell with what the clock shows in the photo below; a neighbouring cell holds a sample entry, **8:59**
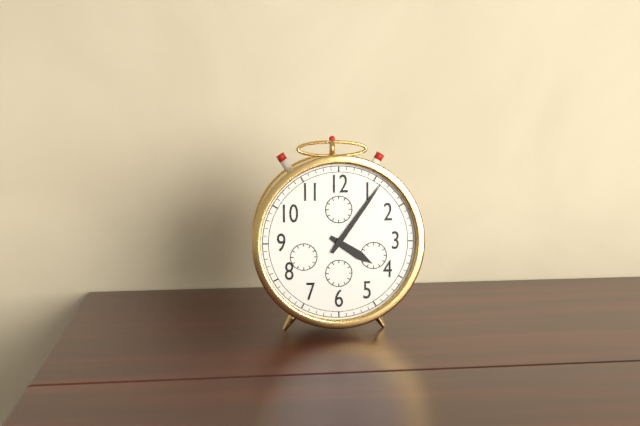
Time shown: **4:06**
